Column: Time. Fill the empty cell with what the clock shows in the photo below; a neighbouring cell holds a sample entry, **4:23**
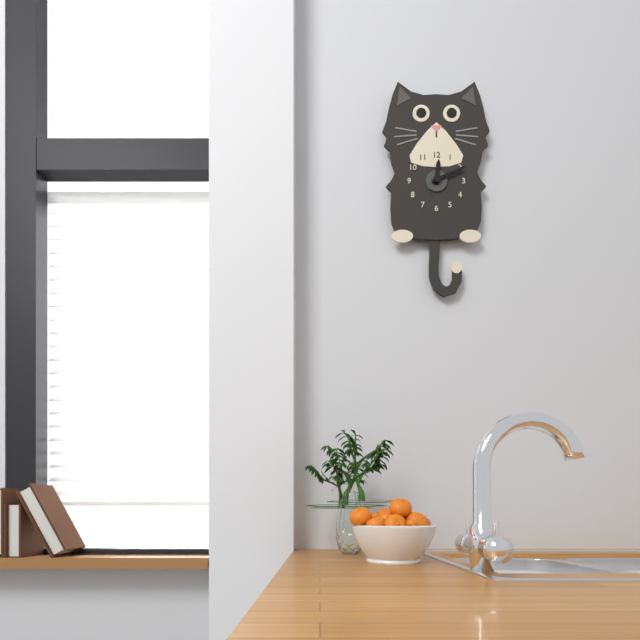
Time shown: **12:11**
